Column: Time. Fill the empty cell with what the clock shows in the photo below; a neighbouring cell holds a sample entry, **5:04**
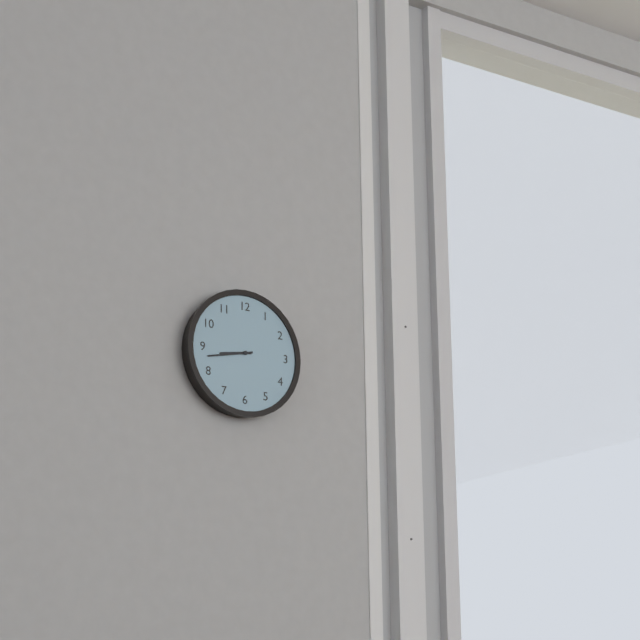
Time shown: **8:43**
